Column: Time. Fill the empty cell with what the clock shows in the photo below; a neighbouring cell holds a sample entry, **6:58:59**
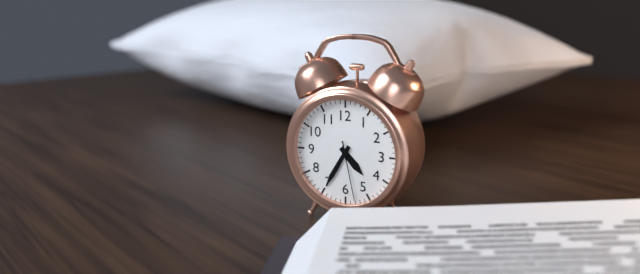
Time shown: **4:35:28**
